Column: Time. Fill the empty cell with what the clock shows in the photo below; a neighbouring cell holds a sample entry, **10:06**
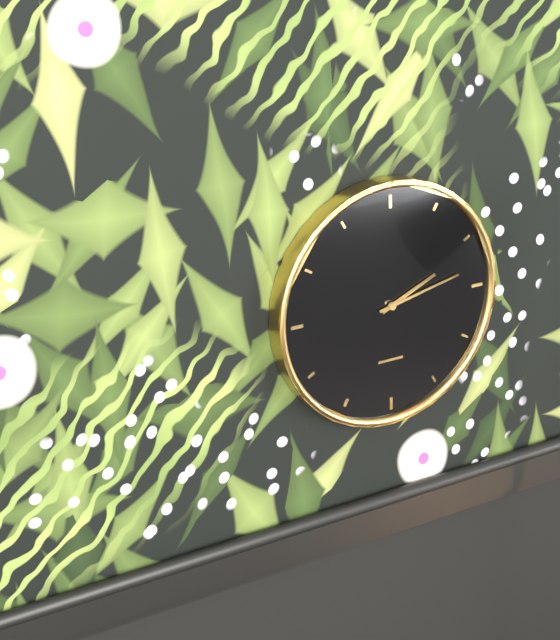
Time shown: **2:13**
